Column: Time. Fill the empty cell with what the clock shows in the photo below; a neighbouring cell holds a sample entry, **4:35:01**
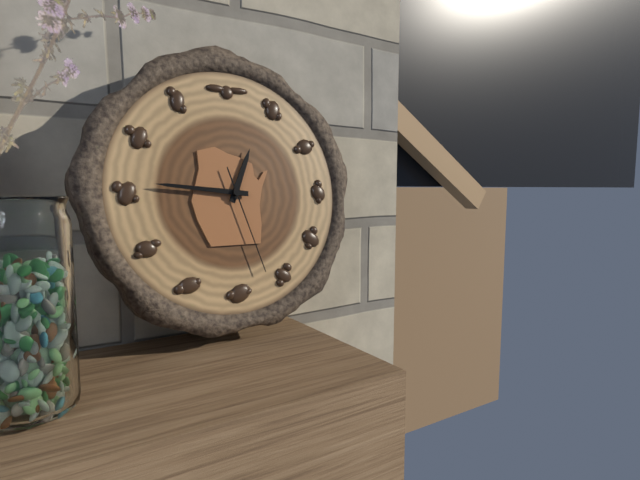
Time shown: **12:46:27**
